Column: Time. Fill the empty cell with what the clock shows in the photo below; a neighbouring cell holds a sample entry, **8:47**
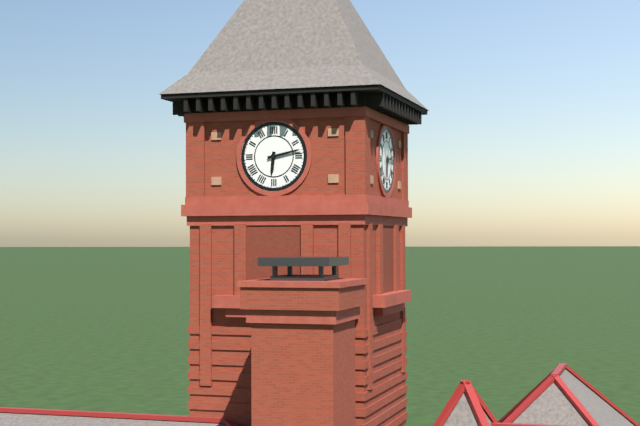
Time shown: **6:13**
